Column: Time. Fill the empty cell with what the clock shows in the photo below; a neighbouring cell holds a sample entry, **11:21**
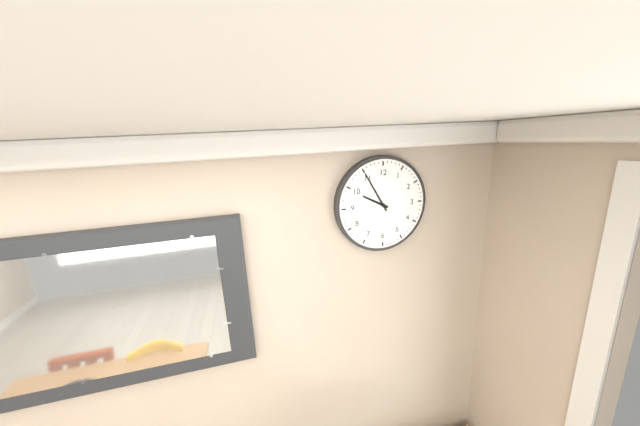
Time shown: **9:55**
